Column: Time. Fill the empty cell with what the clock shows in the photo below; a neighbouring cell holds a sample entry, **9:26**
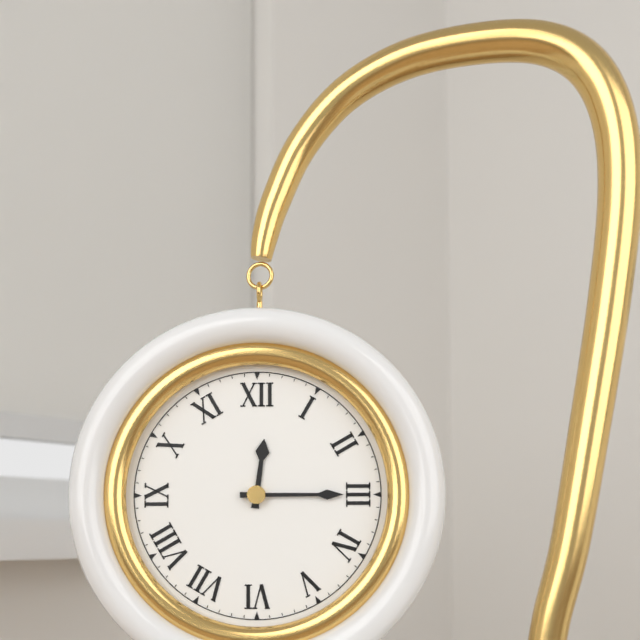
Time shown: **12:15**
